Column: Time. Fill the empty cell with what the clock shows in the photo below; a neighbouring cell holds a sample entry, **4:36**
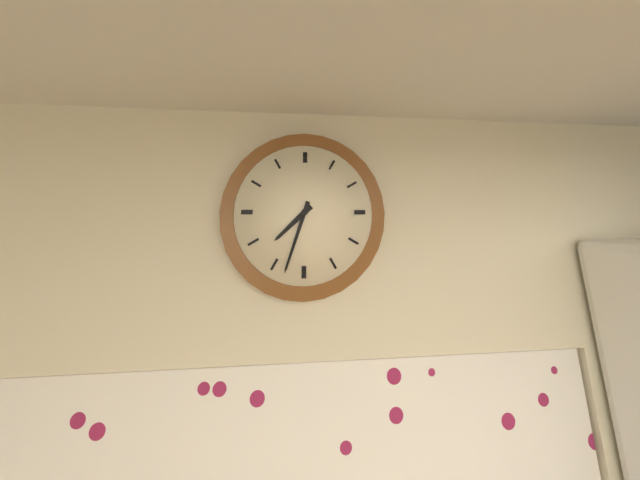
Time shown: **7:33**
